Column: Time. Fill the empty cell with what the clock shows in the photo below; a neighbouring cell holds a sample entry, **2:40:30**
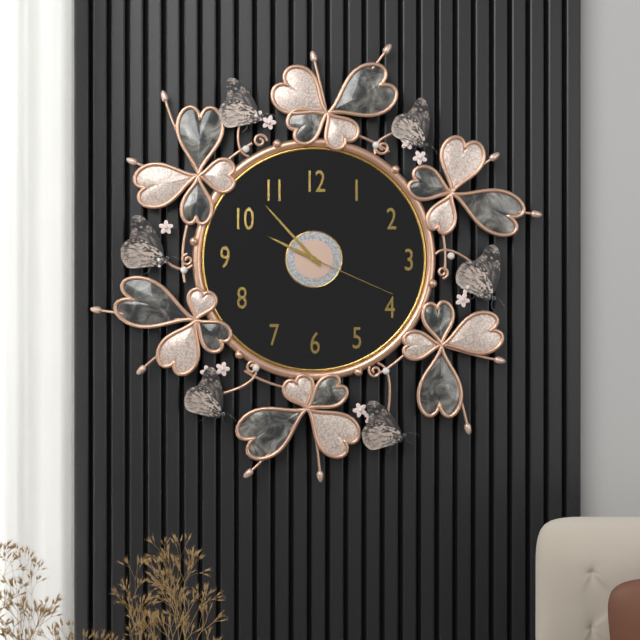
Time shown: **9:53:19**
